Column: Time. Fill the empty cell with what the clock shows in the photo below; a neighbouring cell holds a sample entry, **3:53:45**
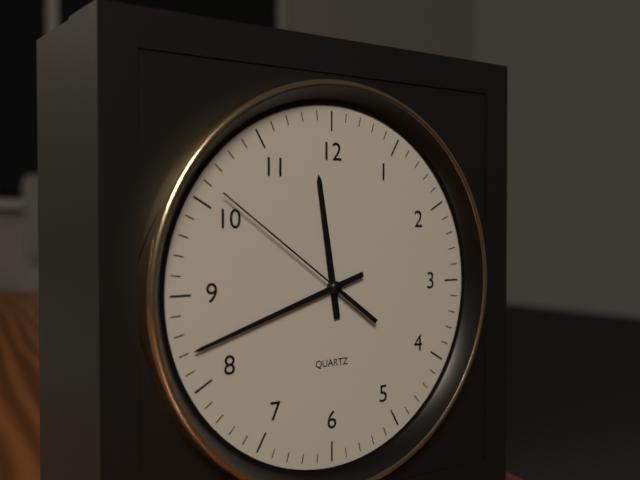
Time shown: **11:42:51**
